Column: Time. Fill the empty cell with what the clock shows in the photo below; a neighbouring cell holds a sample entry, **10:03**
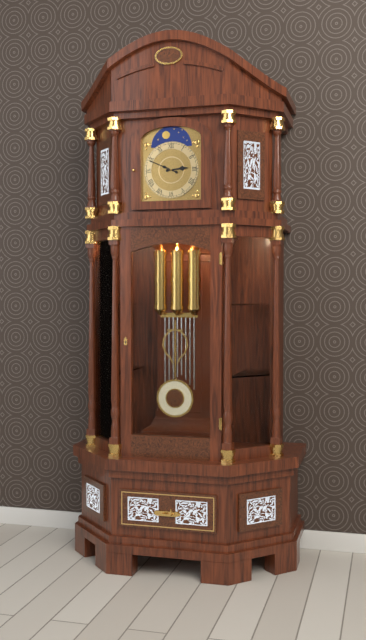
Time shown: **2:49**
